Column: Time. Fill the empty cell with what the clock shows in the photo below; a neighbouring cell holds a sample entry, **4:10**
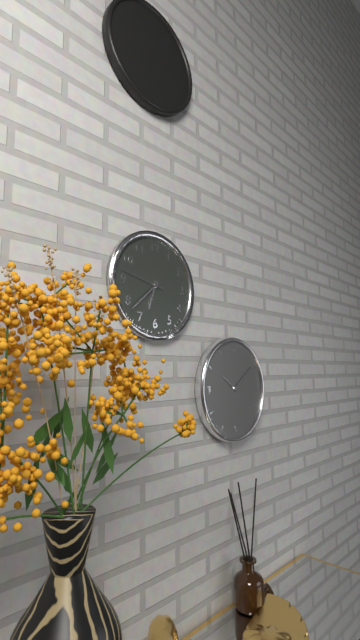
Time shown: **6:38**
